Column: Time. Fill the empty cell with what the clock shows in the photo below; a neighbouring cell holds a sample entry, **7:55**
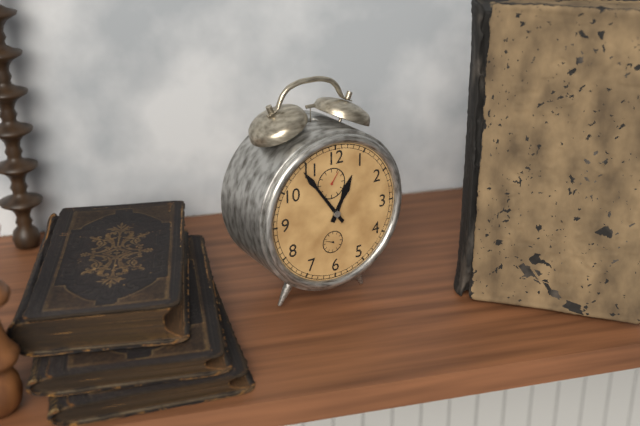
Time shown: **12:54**
